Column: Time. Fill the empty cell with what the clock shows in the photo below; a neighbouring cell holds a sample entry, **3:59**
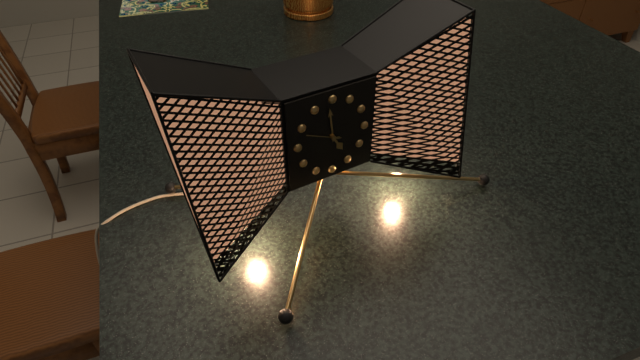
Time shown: **4:59**
